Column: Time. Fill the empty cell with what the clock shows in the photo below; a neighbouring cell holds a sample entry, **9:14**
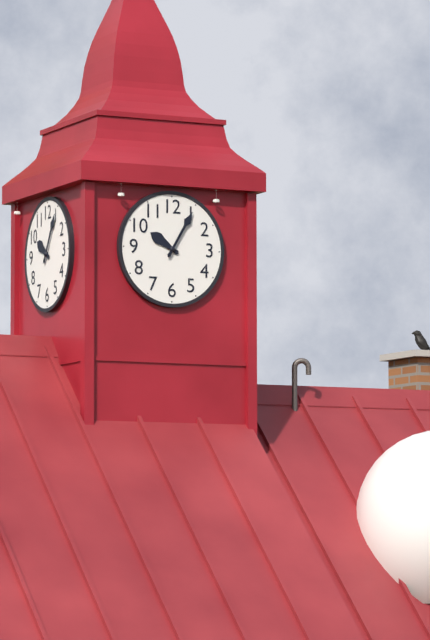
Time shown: **10:05**
